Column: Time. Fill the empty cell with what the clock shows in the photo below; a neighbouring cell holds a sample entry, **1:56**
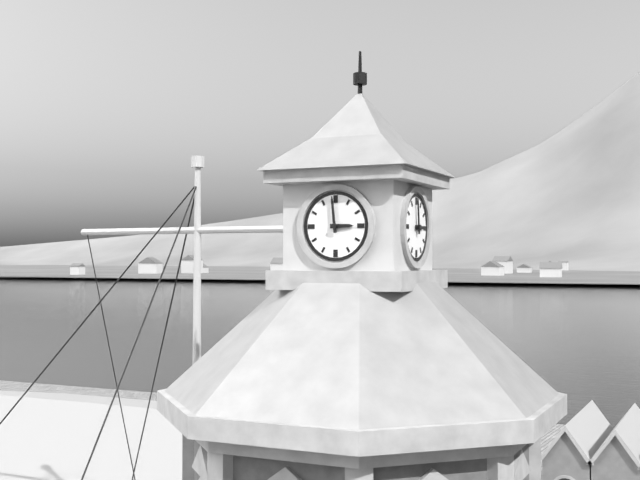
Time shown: **2:59**
